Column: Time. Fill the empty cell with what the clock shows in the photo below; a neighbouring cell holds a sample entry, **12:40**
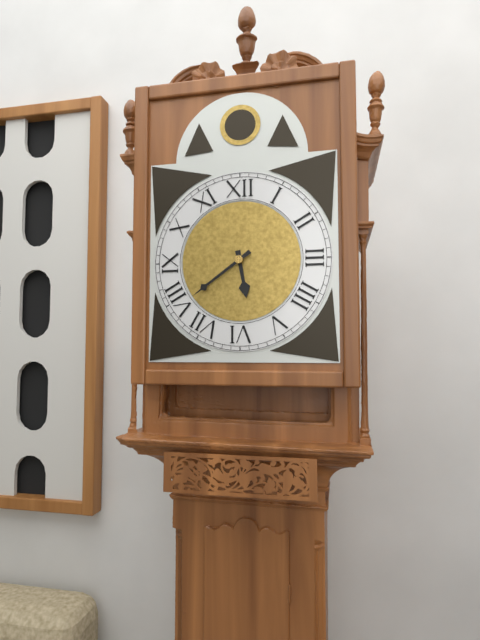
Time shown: **5:39**
